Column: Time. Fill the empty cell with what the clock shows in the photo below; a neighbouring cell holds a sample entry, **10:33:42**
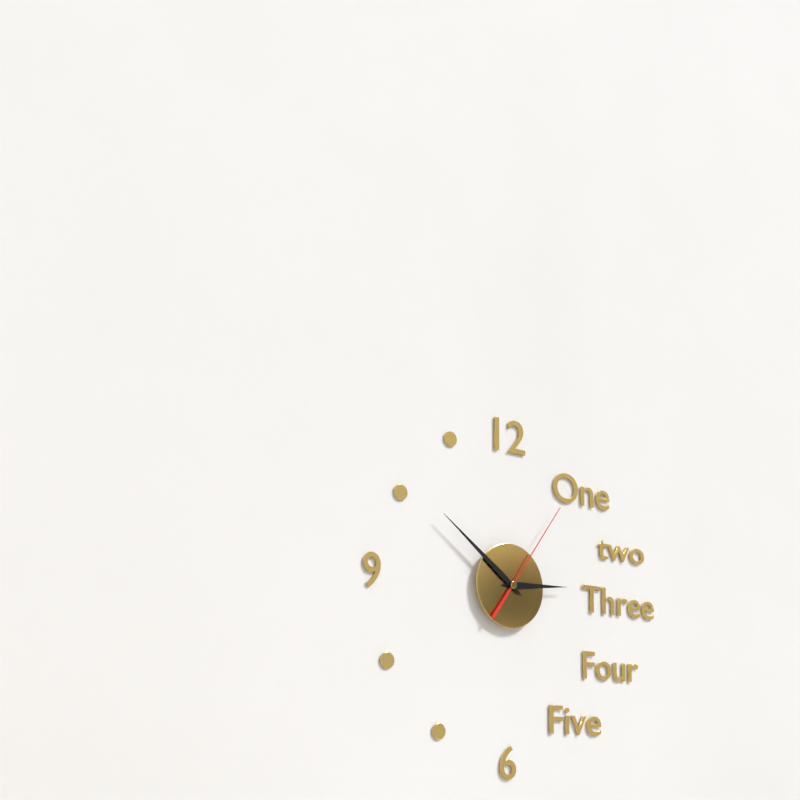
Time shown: **2:51:06**
